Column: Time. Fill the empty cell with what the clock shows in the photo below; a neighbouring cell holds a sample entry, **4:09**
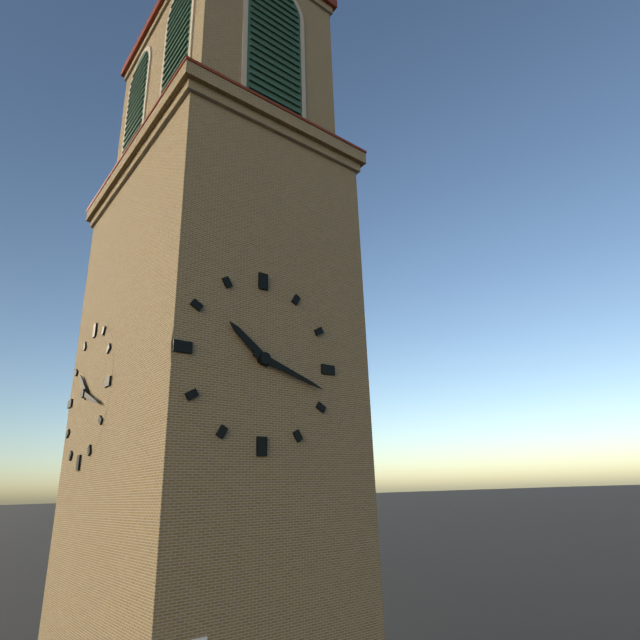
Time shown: **10:18**
